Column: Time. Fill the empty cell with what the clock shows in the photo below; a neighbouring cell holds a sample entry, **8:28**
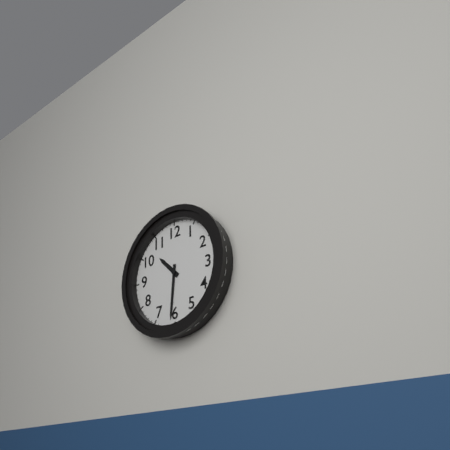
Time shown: **10:31**
